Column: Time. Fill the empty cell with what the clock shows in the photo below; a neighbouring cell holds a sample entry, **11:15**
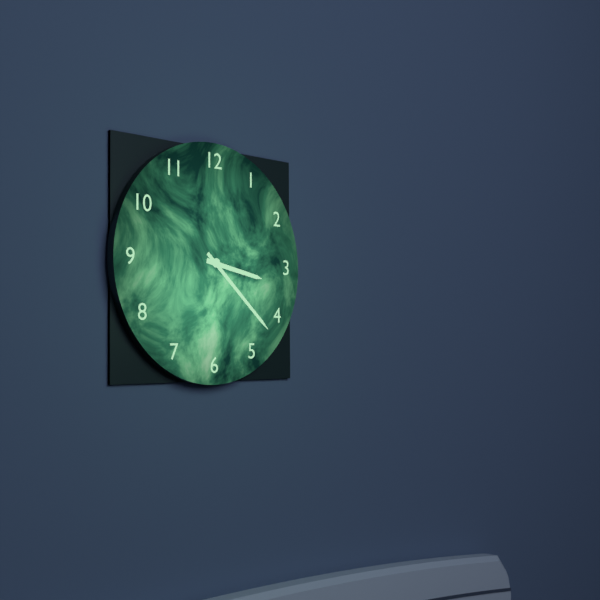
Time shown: **3:22**
